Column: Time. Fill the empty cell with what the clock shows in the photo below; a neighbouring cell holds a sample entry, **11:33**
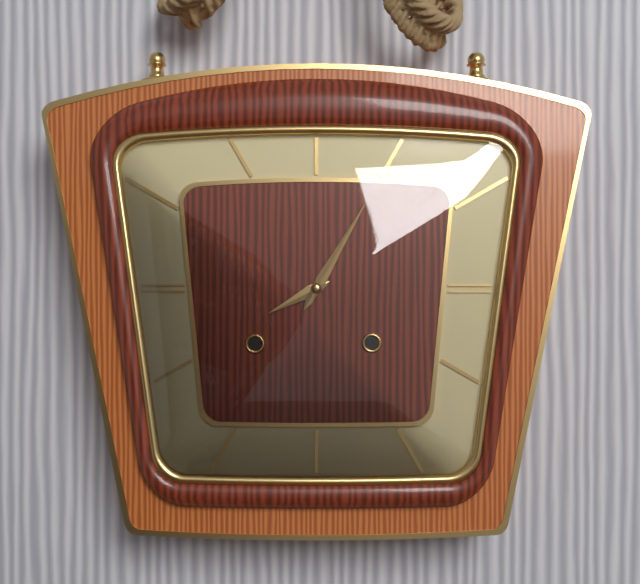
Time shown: **8:05**
